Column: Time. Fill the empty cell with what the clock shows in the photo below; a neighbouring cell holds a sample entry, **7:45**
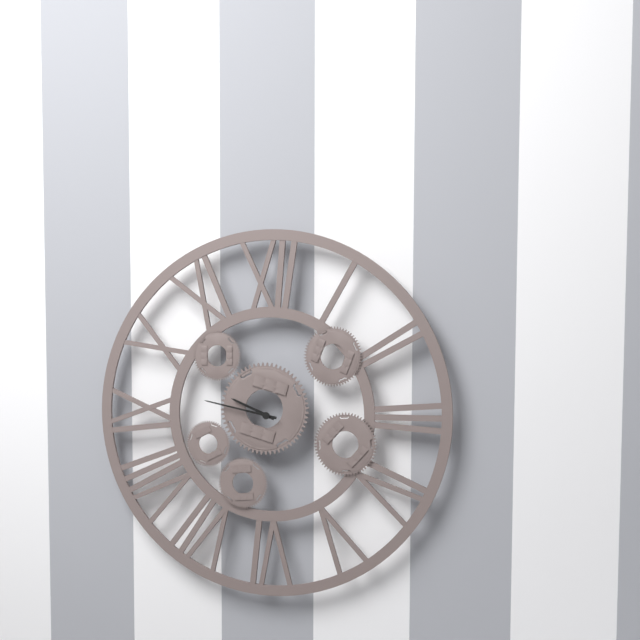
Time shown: **9:47**
